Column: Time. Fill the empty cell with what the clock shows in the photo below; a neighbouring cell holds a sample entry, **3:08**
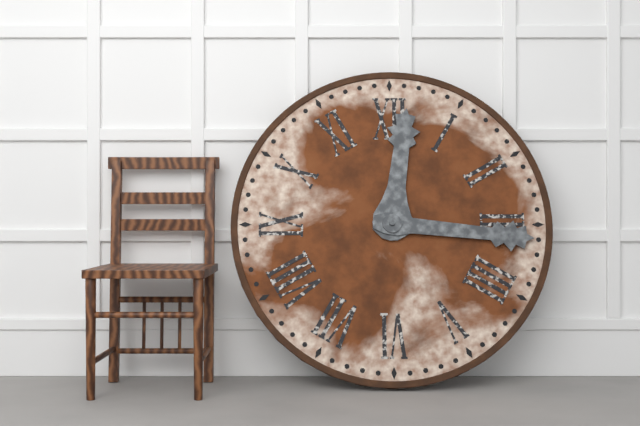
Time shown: **12:16**
